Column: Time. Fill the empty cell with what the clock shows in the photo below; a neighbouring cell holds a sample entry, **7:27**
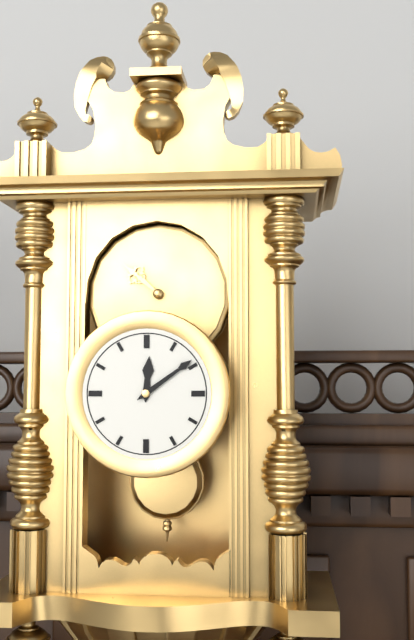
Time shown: **12:09**
